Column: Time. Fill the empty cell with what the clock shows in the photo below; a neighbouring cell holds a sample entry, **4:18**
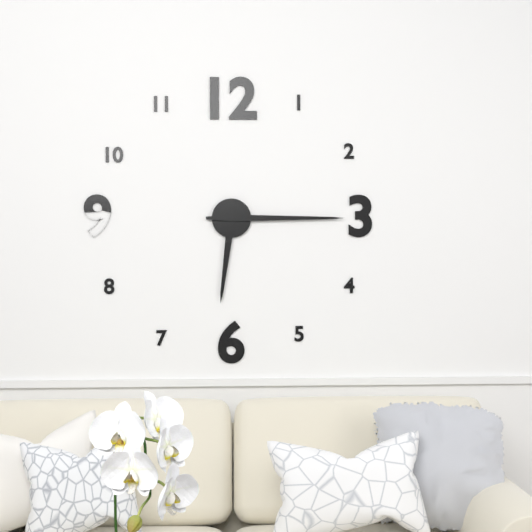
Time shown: **6:15**
